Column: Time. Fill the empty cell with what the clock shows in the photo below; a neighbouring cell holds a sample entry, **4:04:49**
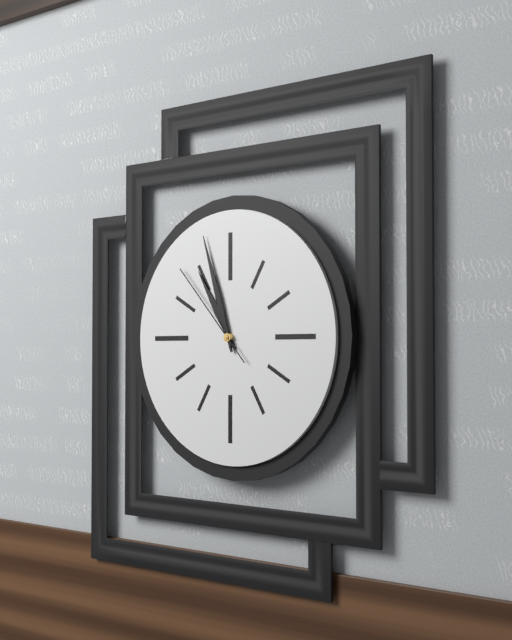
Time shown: **10:57:53**
